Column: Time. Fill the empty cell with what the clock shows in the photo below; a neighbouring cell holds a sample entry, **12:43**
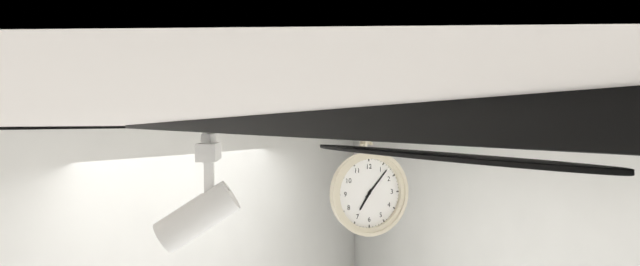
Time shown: **7:07**
